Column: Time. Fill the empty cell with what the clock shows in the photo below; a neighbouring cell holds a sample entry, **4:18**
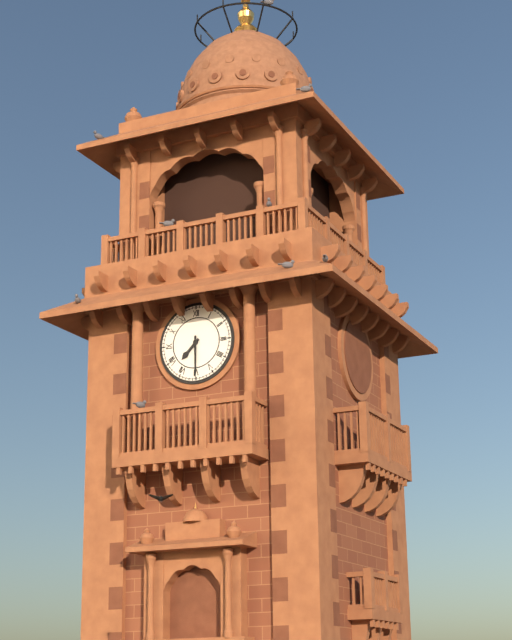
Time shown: **7:30**
